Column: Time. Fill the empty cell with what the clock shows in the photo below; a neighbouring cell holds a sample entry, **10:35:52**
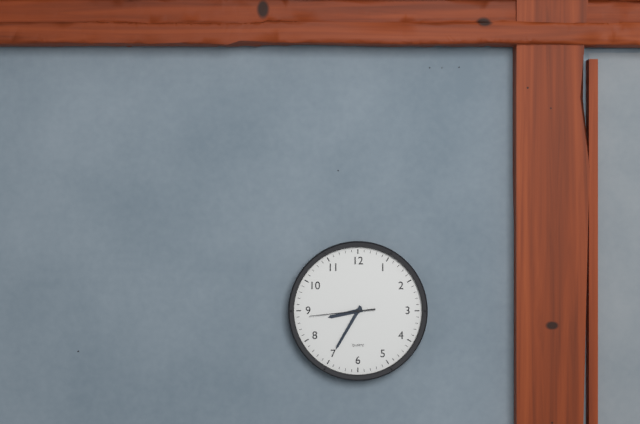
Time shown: **8:35:44**
